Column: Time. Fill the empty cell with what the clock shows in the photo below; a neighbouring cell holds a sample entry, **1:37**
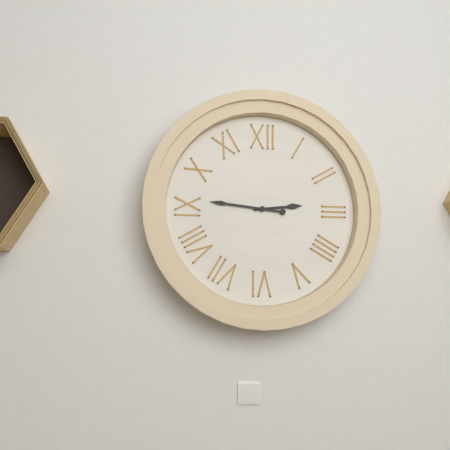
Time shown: **2:46**
